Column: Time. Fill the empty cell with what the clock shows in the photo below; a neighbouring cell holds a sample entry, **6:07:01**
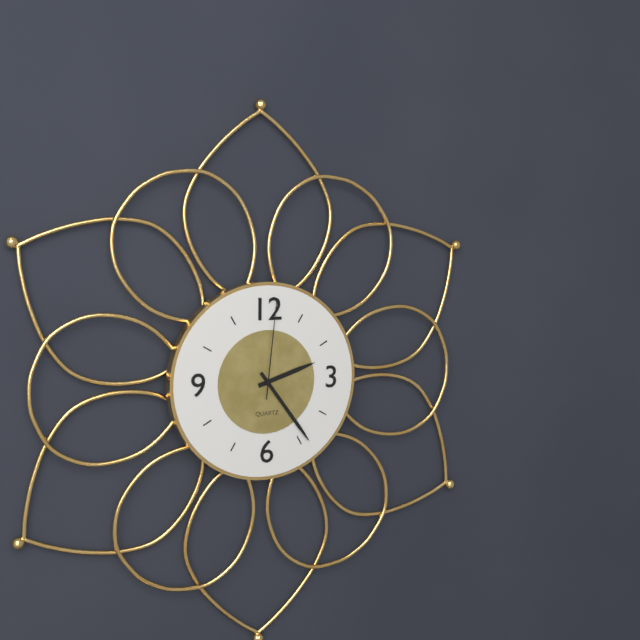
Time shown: **2:24:01**
